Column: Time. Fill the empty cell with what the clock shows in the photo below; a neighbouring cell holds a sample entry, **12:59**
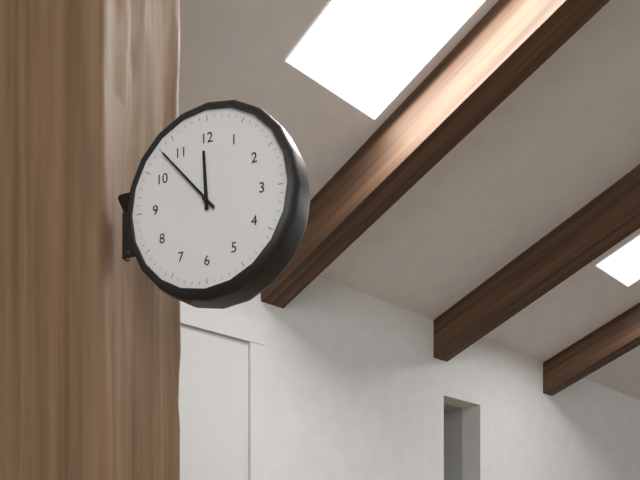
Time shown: **11:53**
